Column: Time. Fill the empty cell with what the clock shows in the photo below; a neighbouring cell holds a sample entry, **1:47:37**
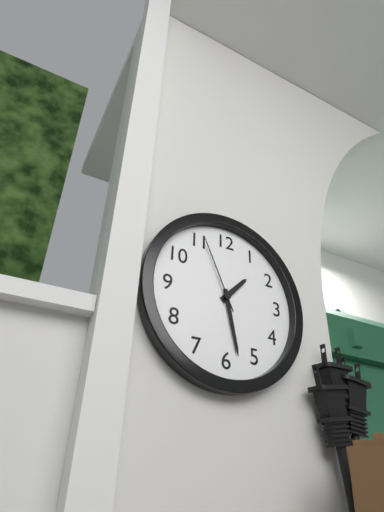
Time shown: **1:28:56**
